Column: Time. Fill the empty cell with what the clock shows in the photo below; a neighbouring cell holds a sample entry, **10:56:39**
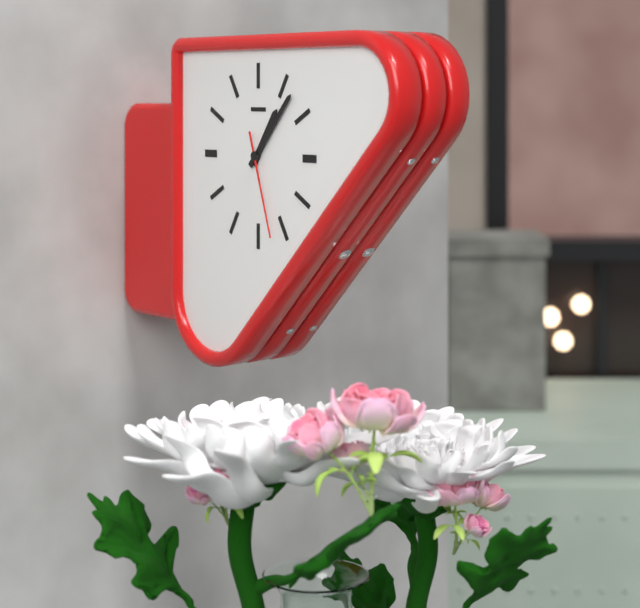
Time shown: **1:07:27**
